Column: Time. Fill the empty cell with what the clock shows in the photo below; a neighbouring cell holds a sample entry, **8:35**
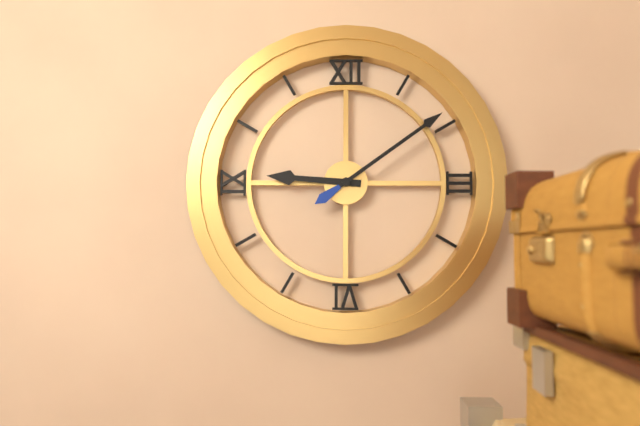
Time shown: **9:09**
